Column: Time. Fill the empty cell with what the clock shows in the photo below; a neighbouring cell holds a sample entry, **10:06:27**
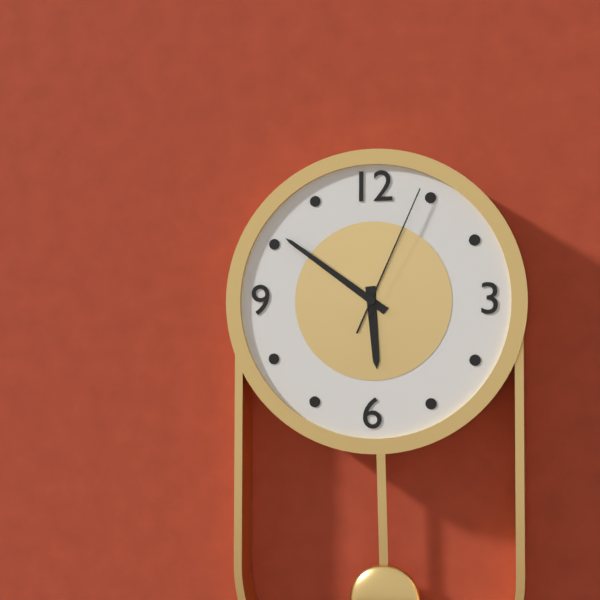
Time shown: **5:51:04**
